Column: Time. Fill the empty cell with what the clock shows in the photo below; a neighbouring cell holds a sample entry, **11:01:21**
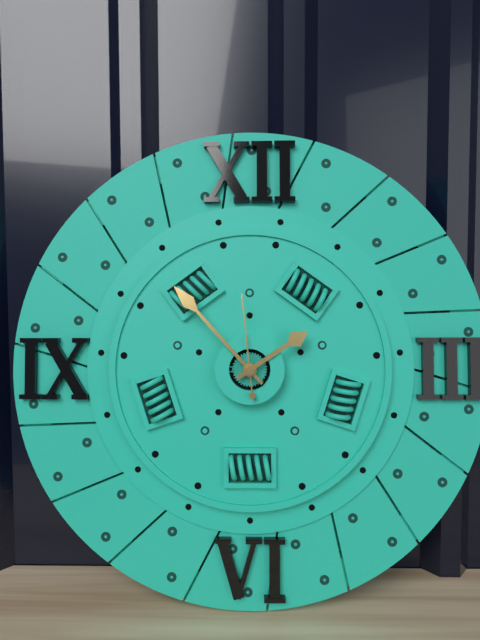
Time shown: **1:53:59**
